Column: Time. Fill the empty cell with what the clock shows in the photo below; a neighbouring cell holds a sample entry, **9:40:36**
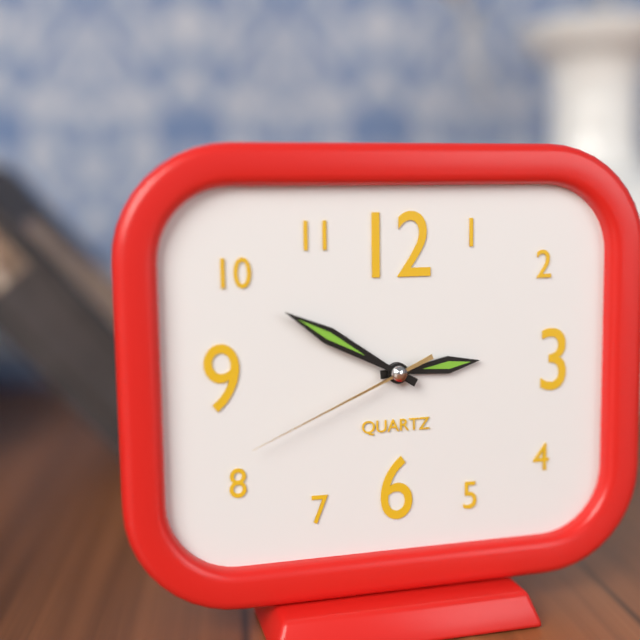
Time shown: **2:50:41**
